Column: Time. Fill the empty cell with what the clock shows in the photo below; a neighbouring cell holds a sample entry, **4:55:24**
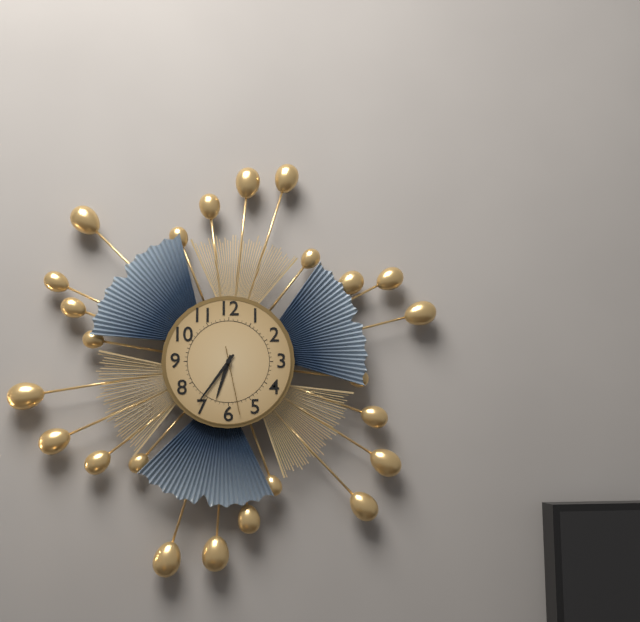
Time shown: **6:36:28**
